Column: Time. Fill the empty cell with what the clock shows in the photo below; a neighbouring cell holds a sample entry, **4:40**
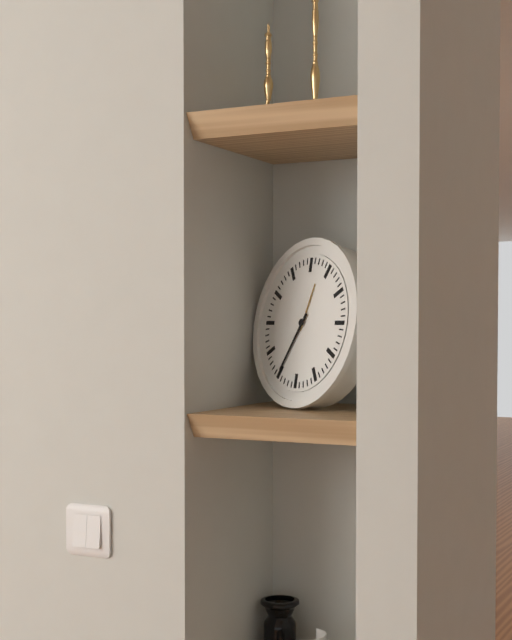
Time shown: **12:35**
